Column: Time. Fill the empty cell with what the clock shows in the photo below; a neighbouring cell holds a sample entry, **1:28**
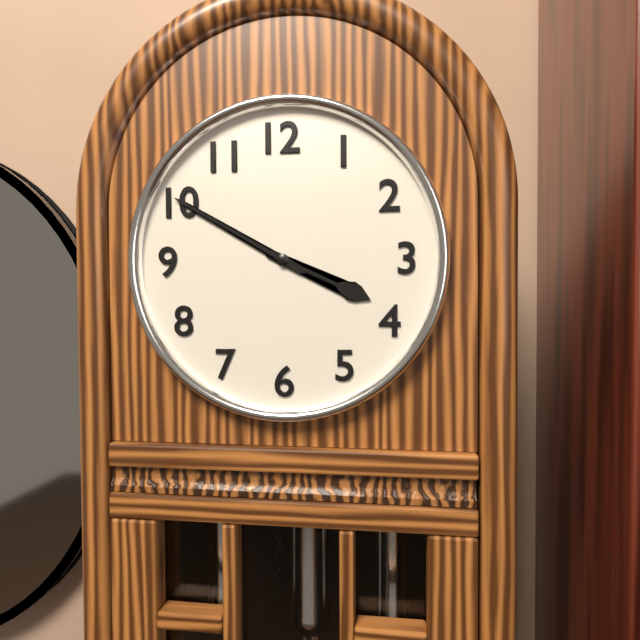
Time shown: **3:50**
